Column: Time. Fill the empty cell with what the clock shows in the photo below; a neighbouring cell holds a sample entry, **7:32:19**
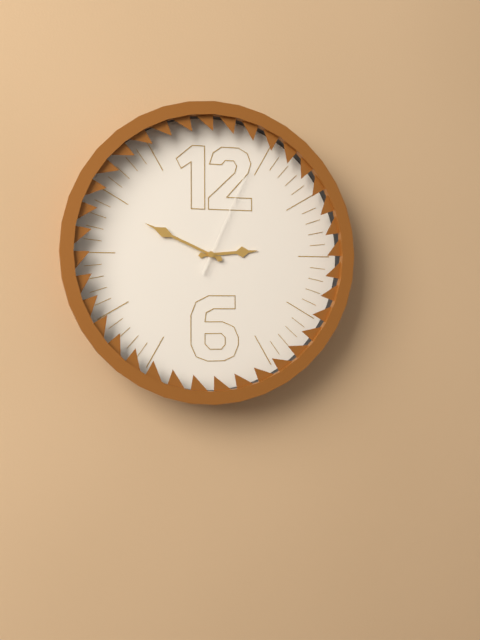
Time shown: **2:49:04**
